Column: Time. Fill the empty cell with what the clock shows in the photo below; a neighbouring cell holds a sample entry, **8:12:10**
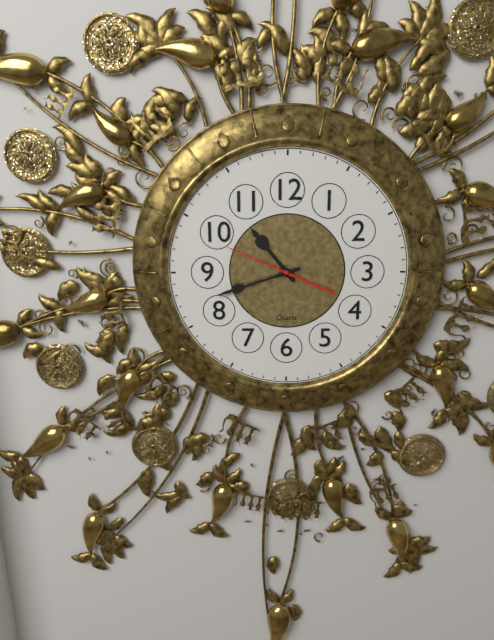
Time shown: **10:42:49**
